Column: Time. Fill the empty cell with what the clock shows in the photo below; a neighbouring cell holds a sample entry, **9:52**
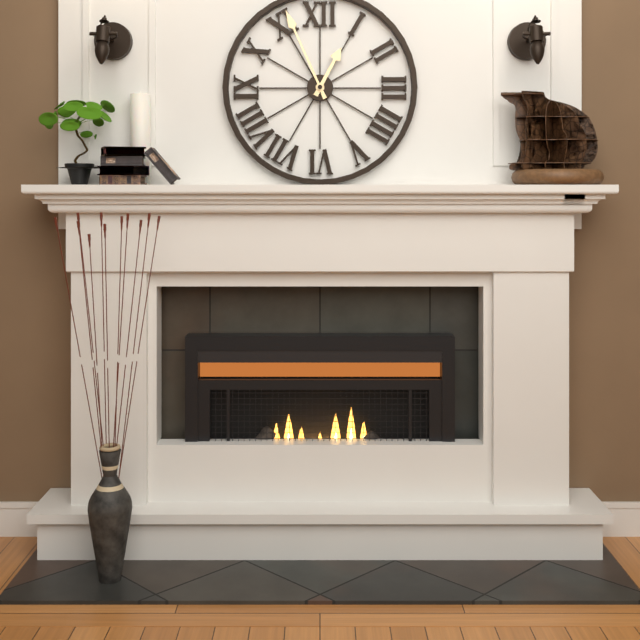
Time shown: **12:56**
